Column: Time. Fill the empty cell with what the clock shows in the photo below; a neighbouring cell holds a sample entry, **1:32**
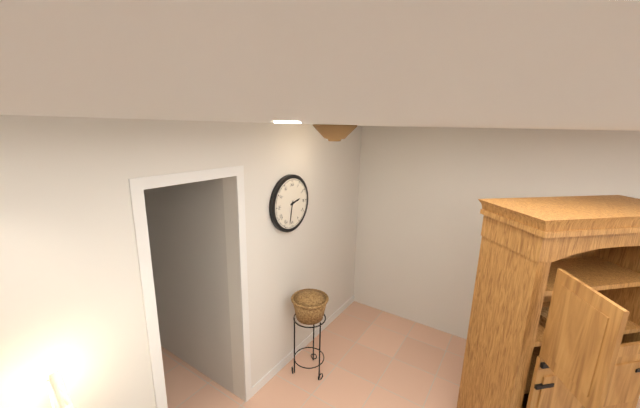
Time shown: **2:32**
